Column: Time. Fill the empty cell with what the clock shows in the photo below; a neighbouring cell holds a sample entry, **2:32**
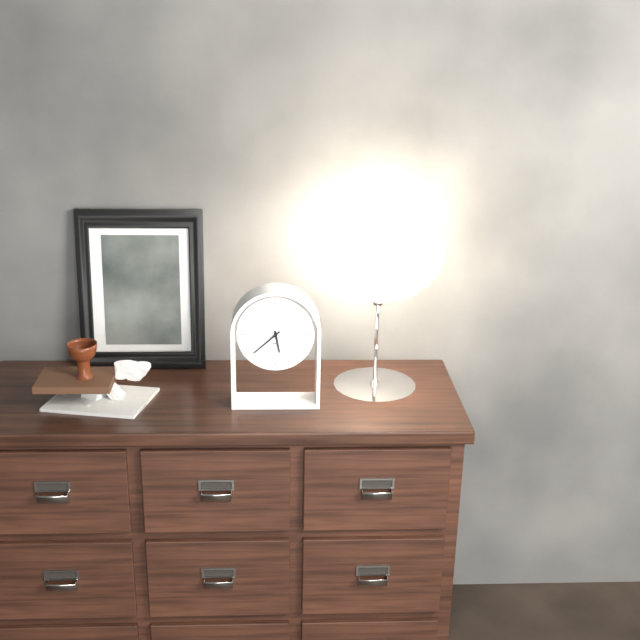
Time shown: **5:38**
